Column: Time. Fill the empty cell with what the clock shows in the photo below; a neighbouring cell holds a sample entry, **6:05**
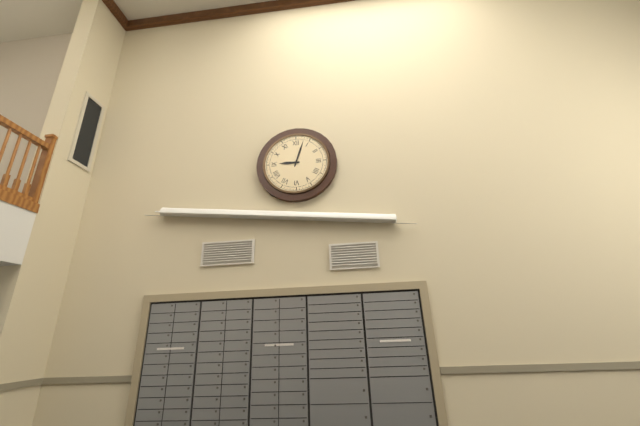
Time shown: **9:03**
